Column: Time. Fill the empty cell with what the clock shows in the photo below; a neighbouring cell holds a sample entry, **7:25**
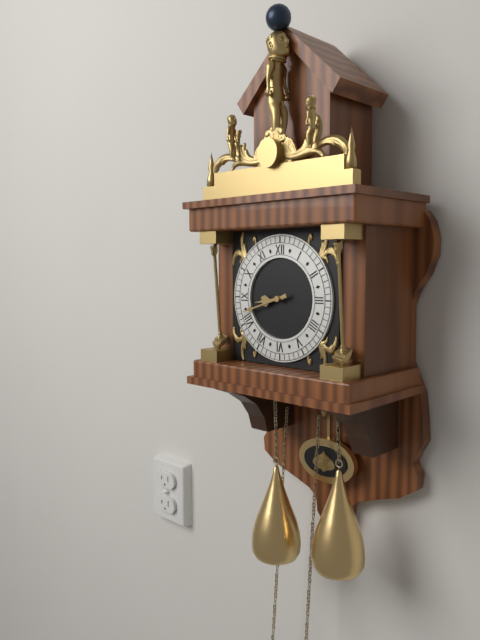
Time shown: **8:42**
